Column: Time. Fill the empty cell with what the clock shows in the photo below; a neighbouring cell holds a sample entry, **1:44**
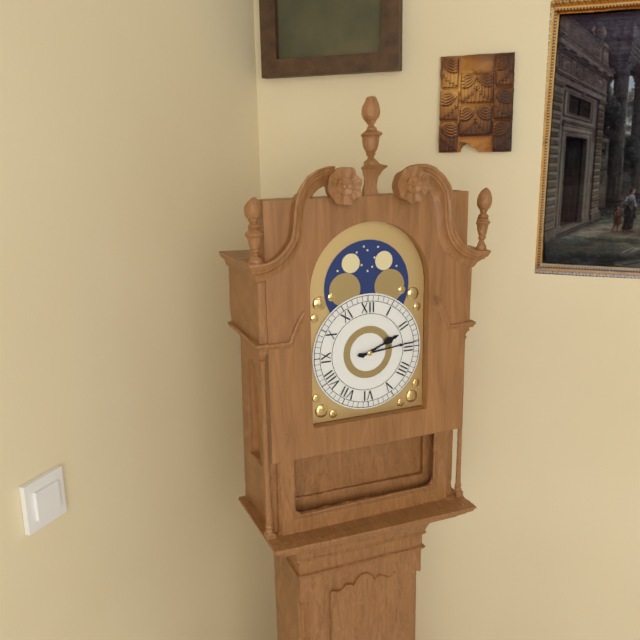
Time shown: **2:14**
